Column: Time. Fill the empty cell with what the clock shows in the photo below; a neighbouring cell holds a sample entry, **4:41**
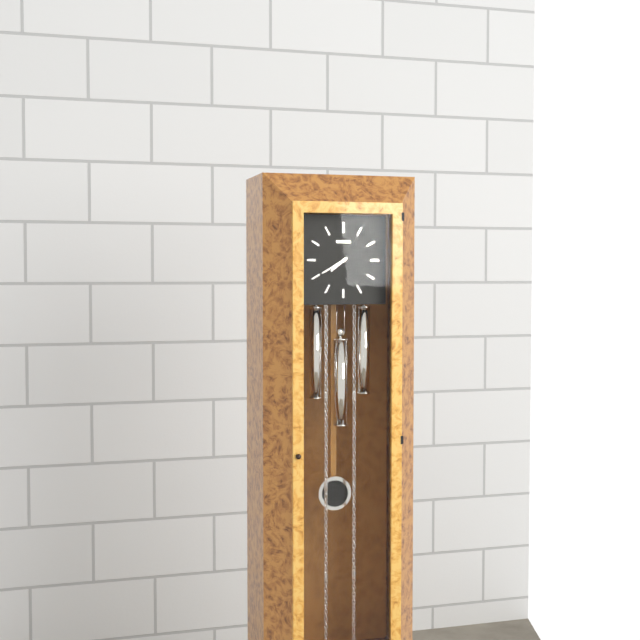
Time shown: **7:40**
